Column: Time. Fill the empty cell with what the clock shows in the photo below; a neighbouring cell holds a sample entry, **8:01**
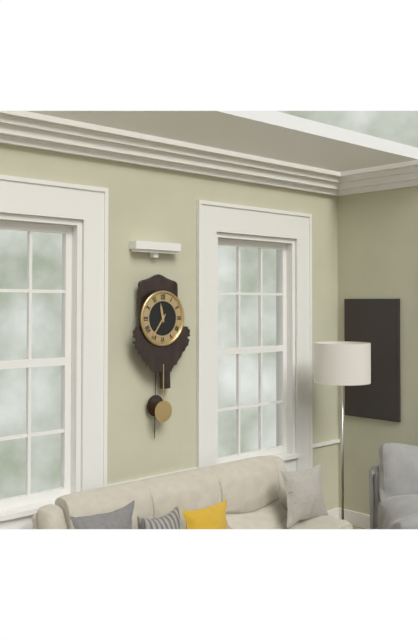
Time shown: **11:36**
